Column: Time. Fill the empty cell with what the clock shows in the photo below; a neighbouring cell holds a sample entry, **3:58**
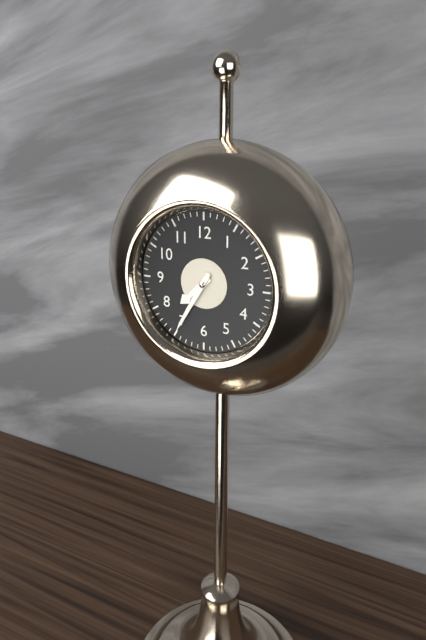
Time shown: **7:35**
